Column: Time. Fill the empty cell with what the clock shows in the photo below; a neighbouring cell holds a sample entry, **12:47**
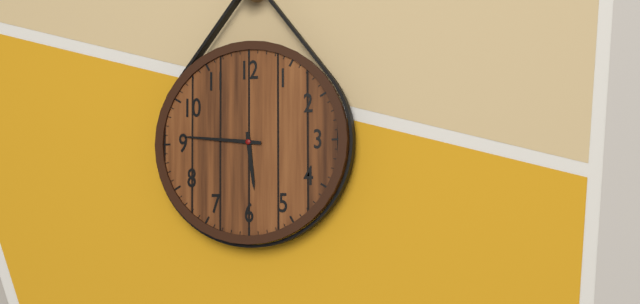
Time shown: **5:46**
